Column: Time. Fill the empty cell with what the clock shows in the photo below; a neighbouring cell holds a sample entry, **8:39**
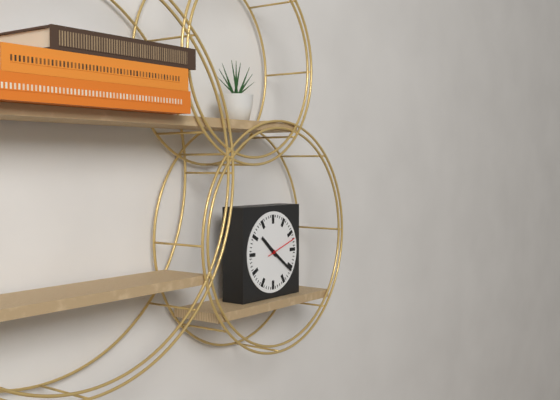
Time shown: **10:21**
